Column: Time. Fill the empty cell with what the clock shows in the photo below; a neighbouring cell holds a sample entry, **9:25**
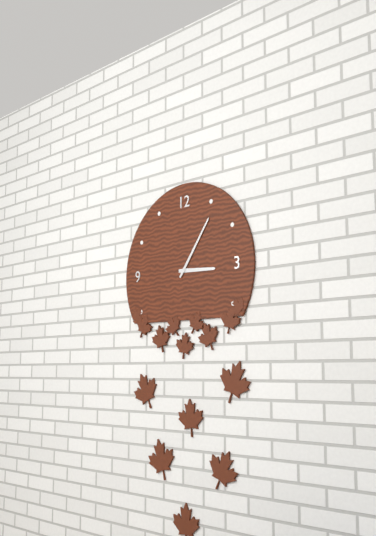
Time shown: **3:06**
